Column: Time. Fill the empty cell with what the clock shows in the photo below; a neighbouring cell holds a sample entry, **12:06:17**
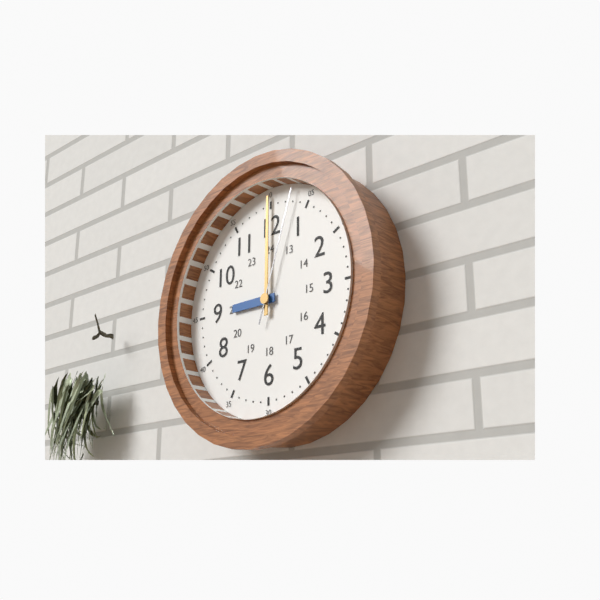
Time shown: **9:00:03**
